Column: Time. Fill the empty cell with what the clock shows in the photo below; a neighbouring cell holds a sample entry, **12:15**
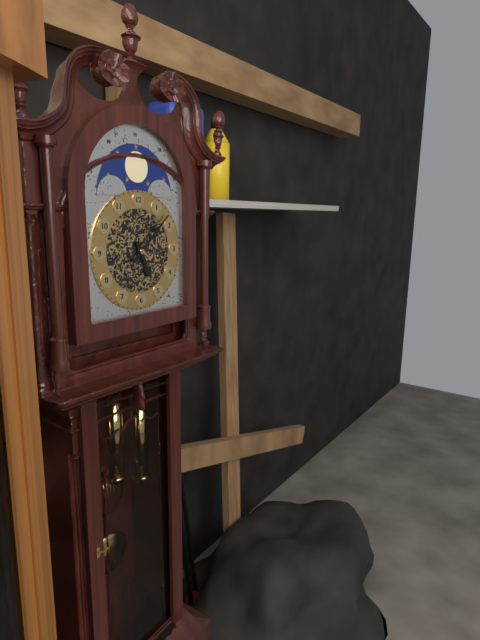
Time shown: **5:08**
